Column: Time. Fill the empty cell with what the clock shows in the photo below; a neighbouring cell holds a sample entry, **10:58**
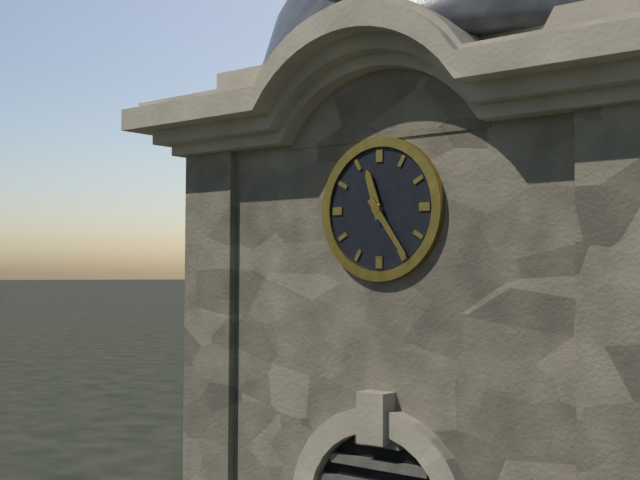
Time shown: **11:24**
